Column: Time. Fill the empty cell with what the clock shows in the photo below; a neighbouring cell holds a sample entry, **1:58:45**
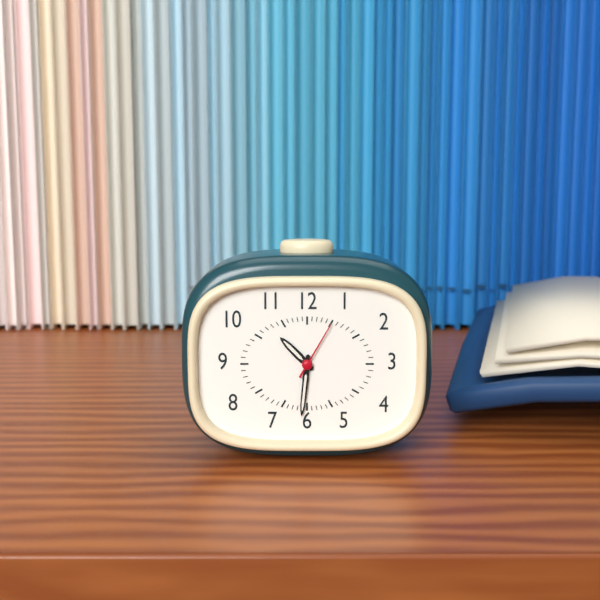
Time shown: **10:31:05**
